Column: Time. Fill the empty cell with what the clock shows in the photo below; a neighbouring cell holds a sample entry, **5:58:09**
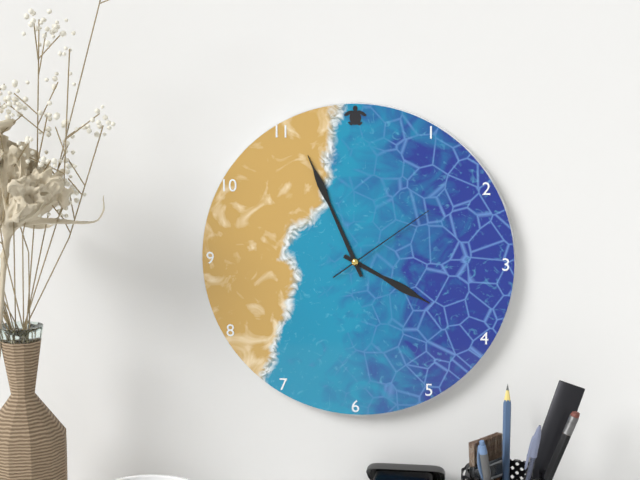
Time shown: **3:56:09**
